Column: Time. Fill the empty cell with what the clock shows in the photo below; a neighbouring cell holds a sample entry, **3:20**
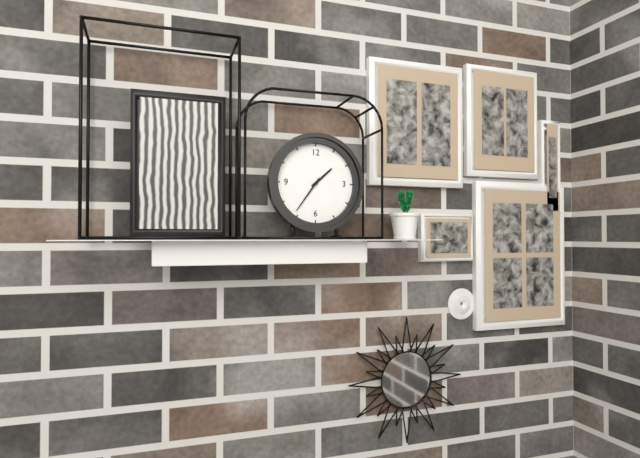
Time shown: **1:36**
